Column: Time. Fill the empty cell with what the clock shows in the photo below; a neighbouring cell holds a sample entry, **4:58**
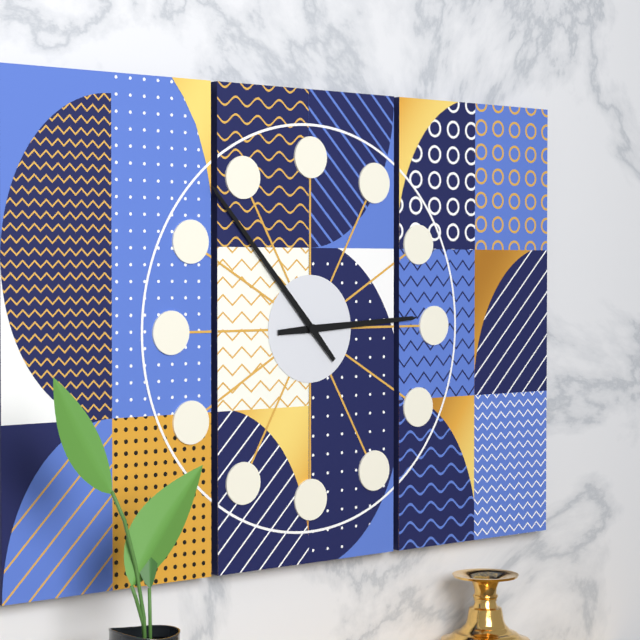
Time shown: **2:53**
